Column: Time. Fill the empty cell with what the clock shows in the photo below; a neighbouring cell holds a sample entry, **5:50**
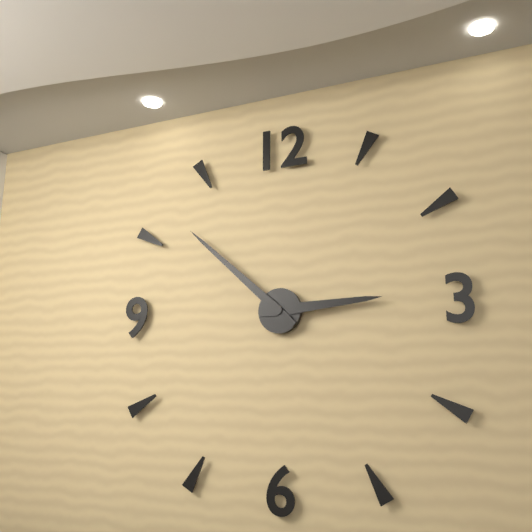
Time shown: **2:52**
